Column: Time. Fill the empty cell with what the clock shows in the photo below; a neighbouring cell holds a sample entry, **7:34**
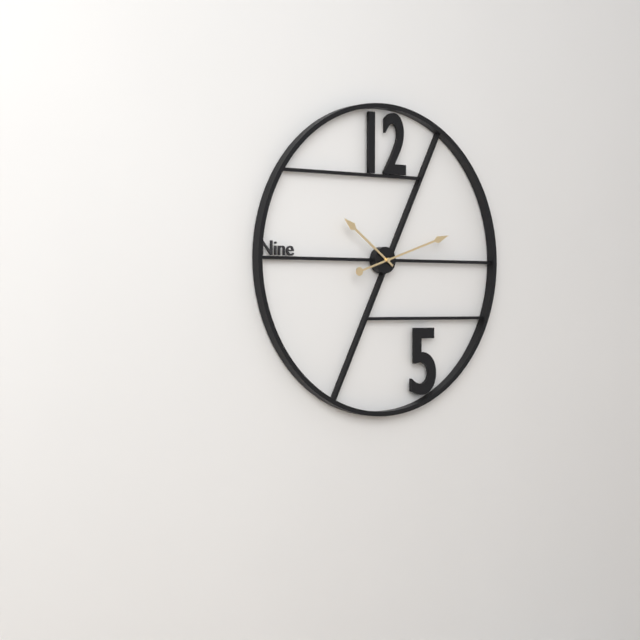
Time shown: **10:12**
